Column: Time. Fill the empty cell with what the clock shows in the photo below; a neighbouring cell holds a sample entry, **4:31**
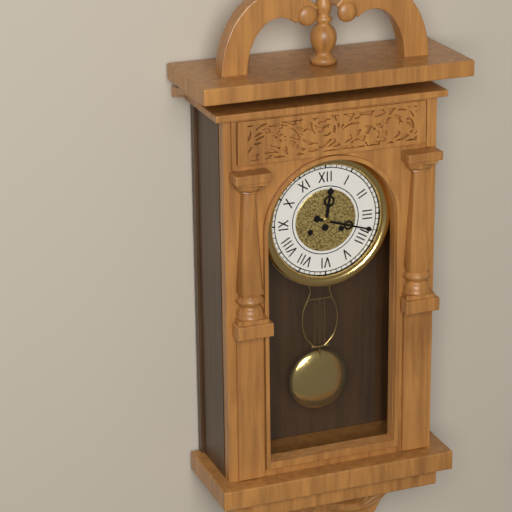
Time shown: **12:18**
